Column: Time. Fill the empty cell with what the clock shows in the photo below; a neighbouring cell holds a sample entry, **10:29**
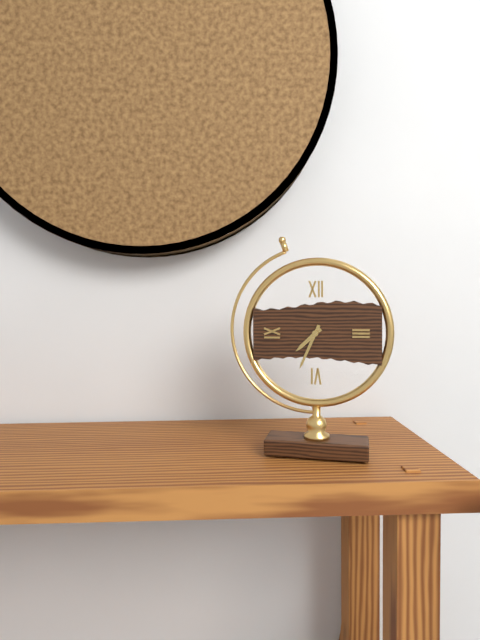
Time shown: **7:34**
